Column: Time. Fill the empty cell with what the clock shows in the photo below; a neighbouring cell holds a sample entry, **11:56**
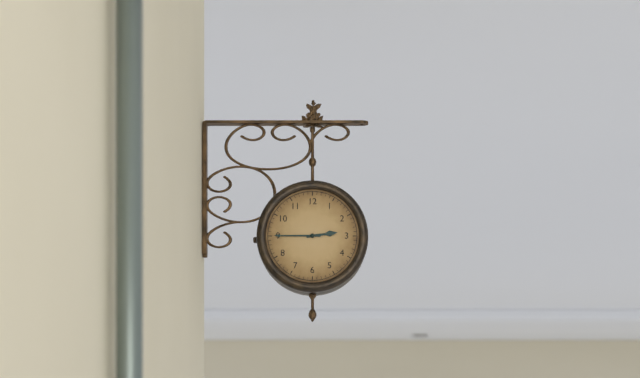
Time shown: **2:45**
